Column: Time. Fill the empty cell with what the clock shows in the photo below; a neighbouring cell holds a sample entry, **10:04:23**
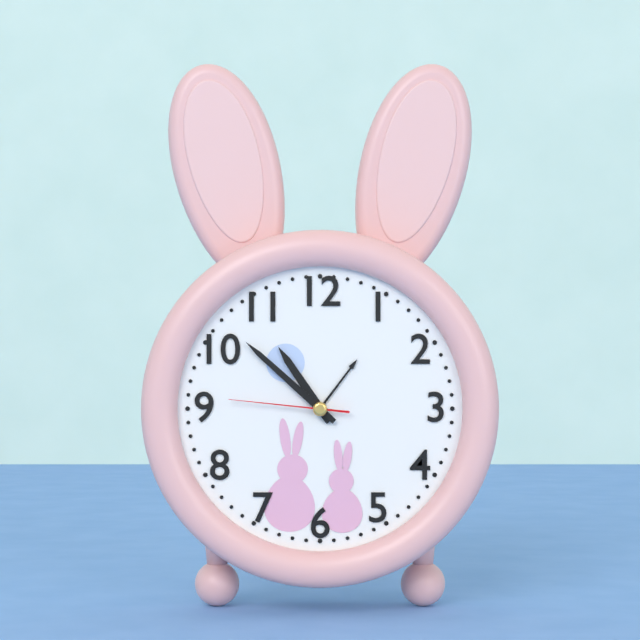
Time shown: **10:52:46**
